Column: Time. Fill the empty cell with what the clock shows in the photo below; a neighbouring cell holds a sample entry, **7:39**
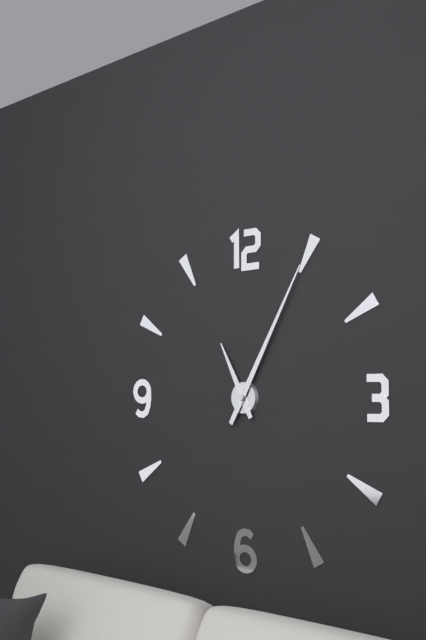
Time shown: **11:05**
